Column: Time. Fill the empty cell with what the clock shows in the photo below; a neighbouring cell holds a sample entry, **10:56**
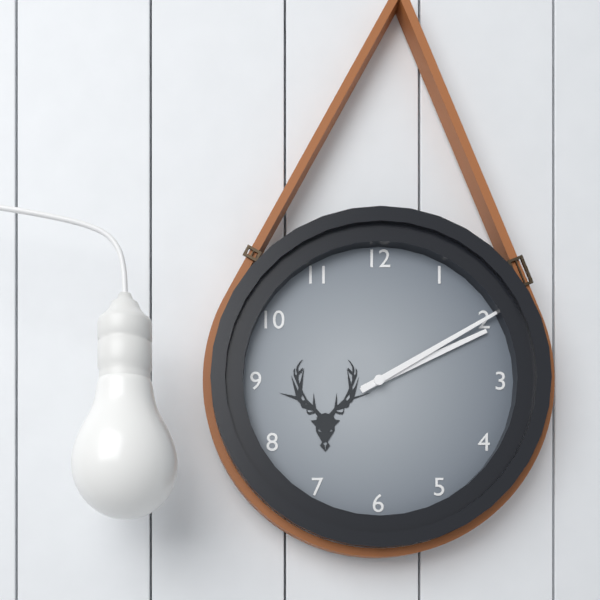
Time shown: **2:10**
